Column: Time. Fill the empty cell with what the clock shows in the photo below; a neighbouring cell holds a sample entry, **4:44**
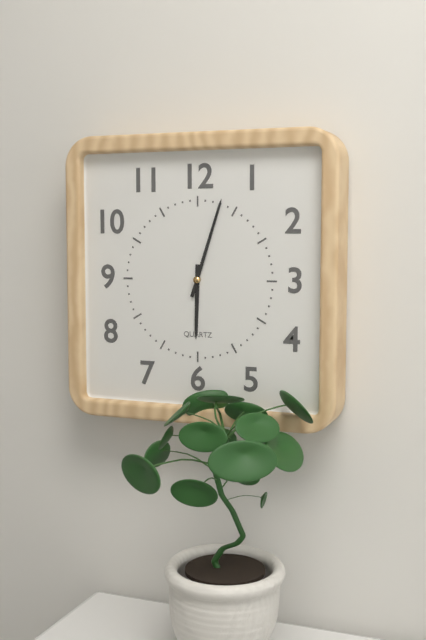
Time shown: **6:03**
